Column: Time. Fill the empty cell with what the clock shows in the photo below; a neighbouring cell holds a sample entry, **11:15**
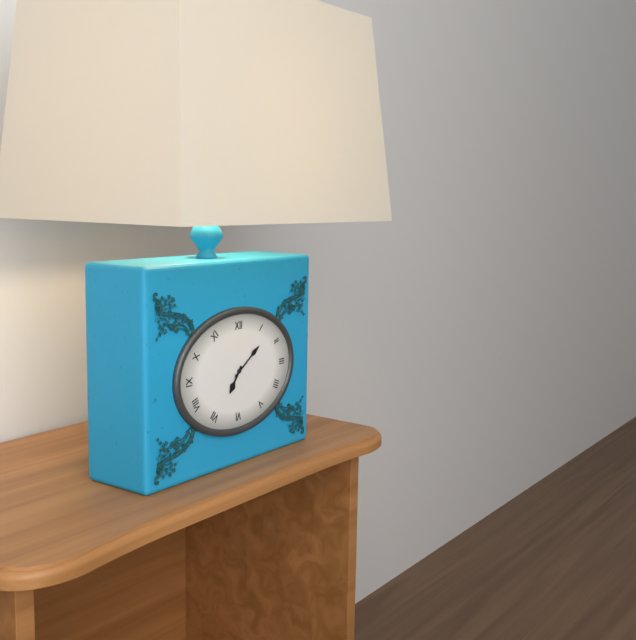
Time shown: **7:09**
